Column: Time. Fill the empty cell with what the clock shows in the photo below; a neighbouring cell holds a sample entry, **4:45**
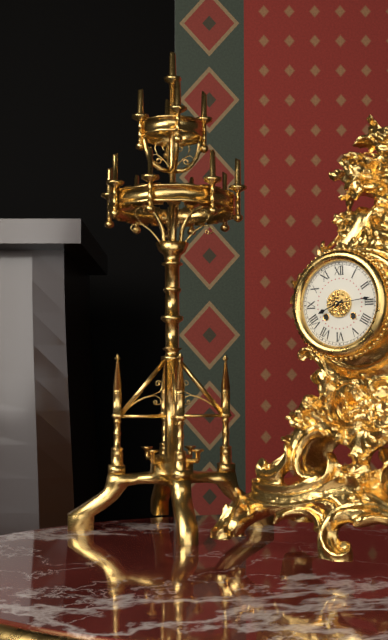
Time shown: **8:14**
